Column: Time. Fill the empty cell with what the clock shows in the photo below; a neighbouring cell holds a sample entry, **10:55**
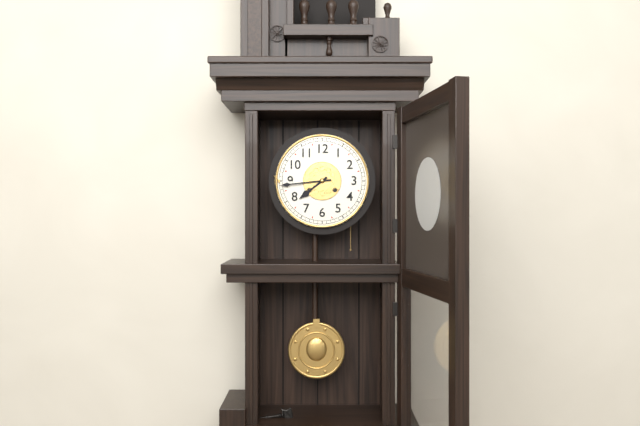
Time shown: **7:44**
